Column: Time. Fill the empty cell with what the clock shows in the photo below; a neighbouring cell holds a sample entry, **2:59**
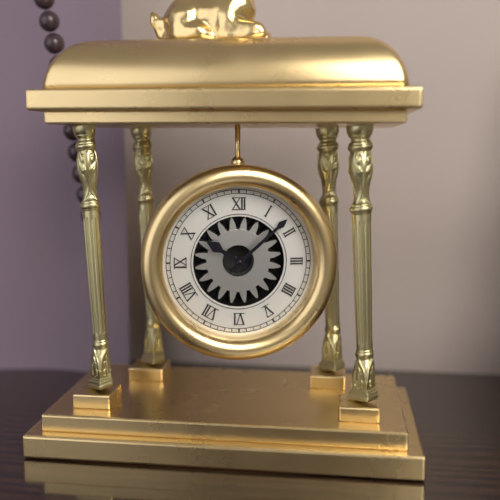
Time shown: **10:08**
